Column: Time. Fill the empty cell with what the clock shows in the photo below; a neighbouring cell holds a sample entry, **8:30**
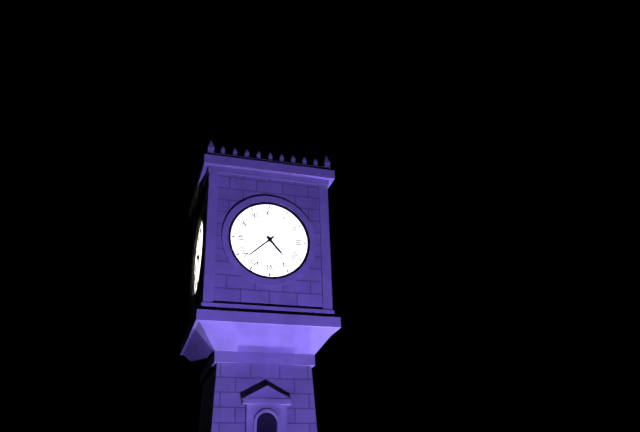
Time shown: **4:38**
